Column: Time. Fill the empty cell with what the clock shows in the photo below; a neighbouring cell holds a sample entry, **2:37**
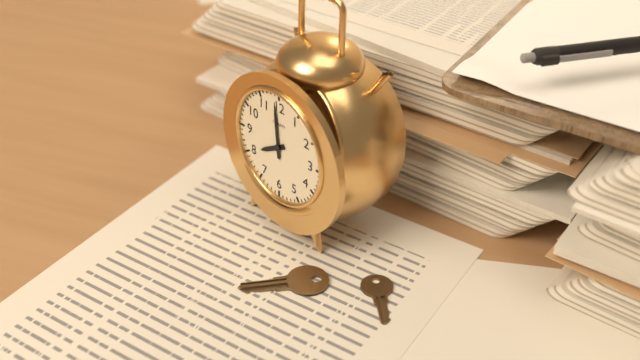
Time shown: **7:59**
